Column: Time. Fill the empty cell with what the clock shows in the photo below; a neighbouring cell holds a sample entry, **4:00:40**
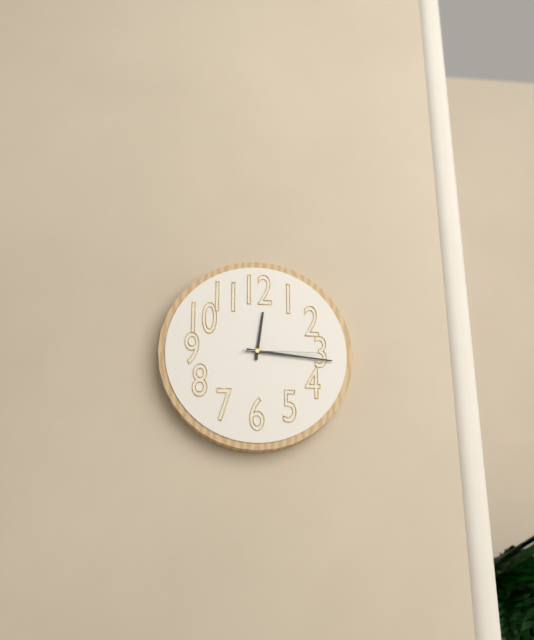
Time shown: **12:16:15**
